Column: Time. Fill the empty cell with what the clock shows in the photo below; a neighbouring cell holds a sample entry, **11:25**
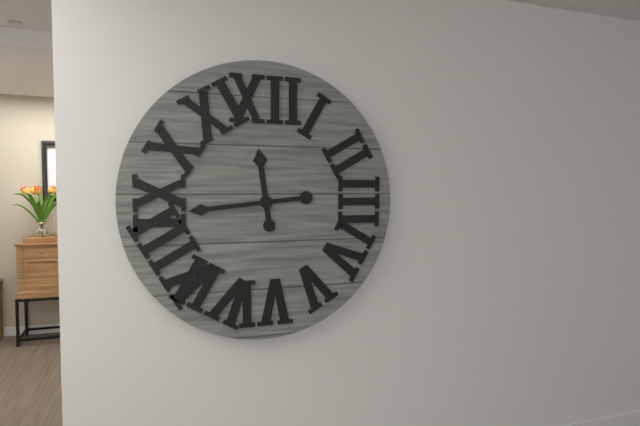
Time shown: **11:44**
